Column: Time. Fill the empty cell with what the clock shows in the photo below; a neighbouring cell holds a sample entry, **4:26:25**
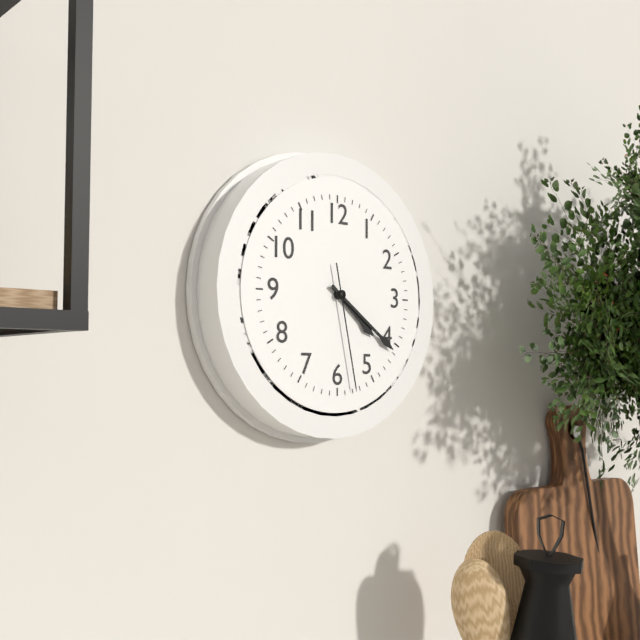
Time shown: **4:21:28**
